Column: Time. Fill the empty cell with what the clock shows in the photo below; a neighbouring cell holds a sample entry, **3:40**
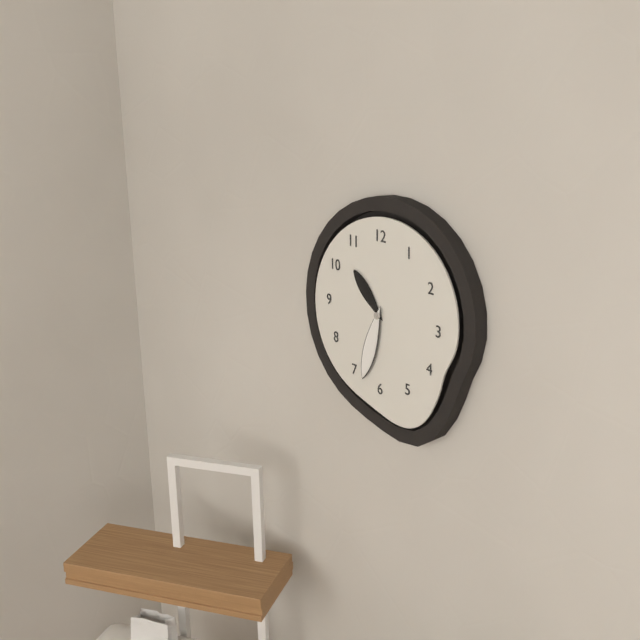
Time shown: **10:33**
